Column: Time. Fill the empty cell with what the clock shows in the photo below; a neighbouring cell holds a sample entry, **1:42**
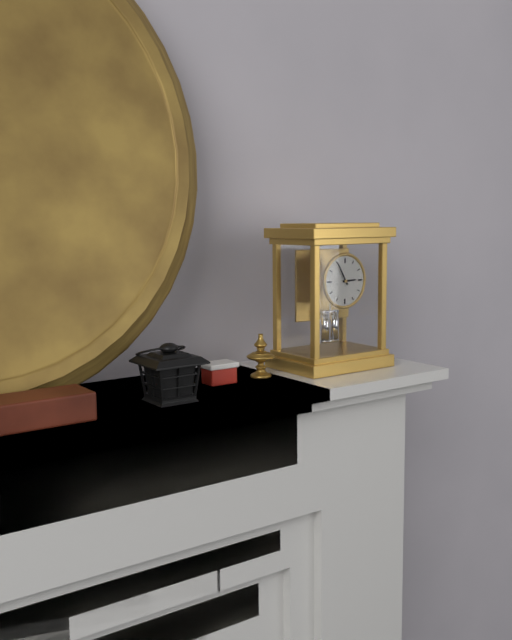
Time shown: **2:55**
